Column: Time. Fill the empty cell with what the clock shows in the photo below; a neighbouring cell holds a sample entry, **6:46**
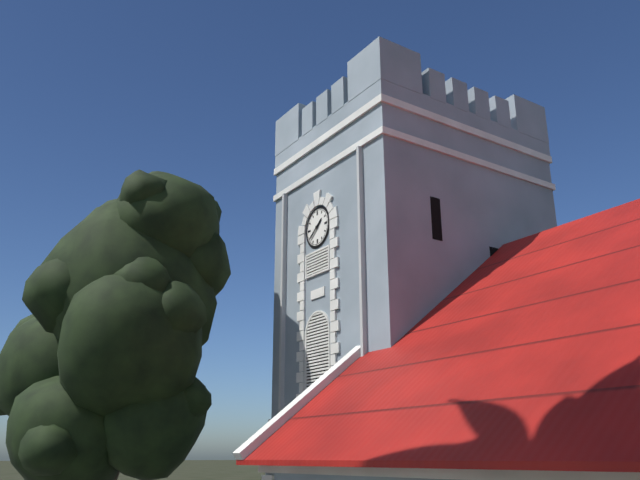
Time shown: **1:39**
